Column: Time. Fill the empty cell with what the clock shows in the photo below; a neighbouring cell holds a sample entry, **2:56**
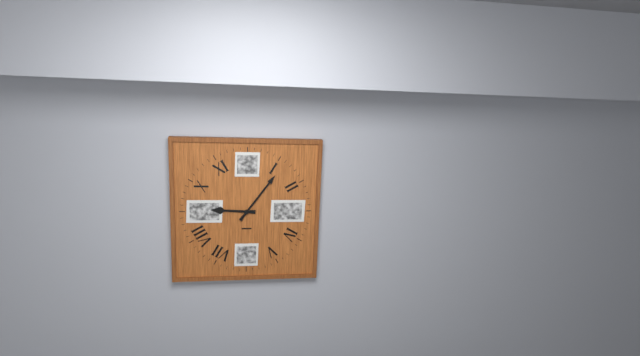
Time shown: **9:06**
